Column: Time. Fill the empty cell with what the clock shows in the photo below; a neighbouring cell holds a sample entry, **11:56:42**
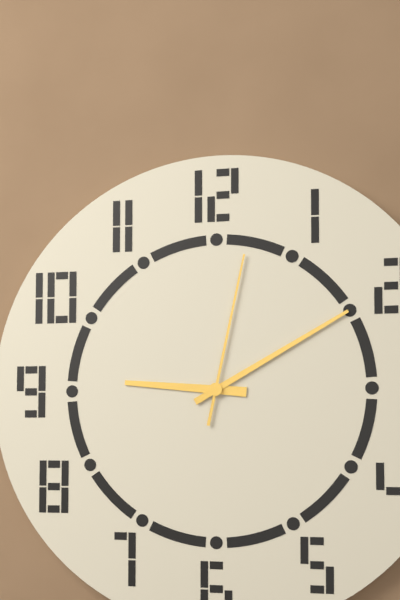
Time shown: **9:10:02**
